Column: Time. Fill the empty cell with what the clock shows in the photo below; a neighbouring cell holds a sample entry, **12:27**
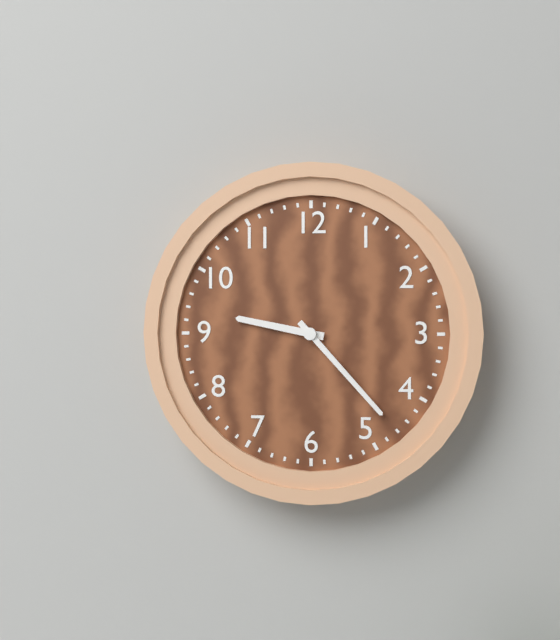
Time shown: **9:23**
